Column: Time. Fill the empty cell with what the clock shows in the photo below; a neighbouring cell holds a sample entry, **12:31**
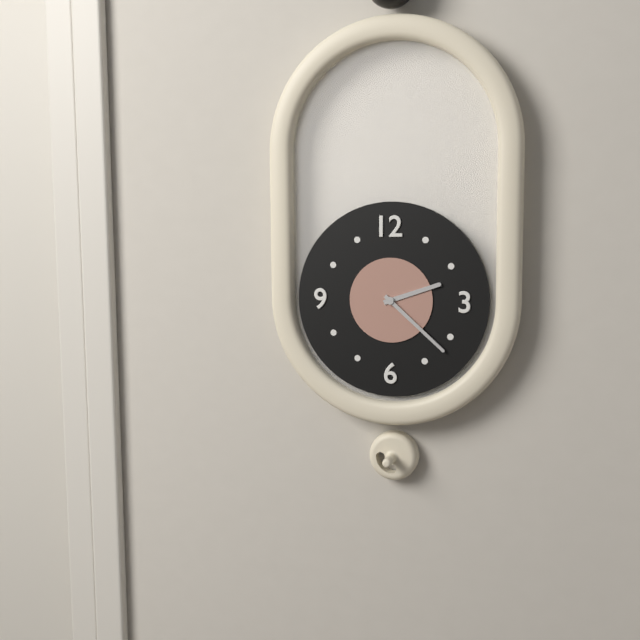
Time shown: **2:22**
